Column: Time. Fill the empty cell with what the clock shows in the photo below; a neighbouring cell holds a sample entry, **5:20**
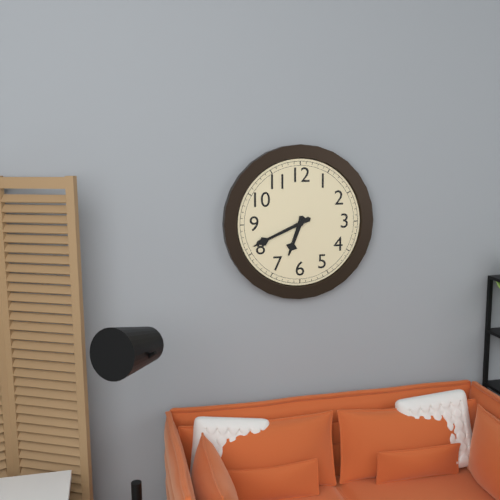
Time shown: **6:41**
